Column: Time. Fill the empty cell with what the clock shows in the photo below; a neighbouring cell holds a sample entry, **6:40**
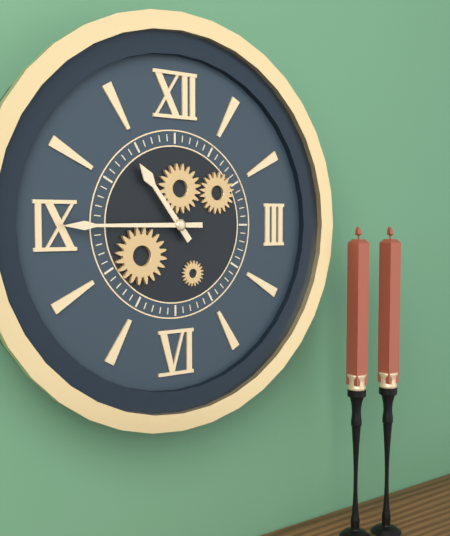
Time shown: **10:45**
